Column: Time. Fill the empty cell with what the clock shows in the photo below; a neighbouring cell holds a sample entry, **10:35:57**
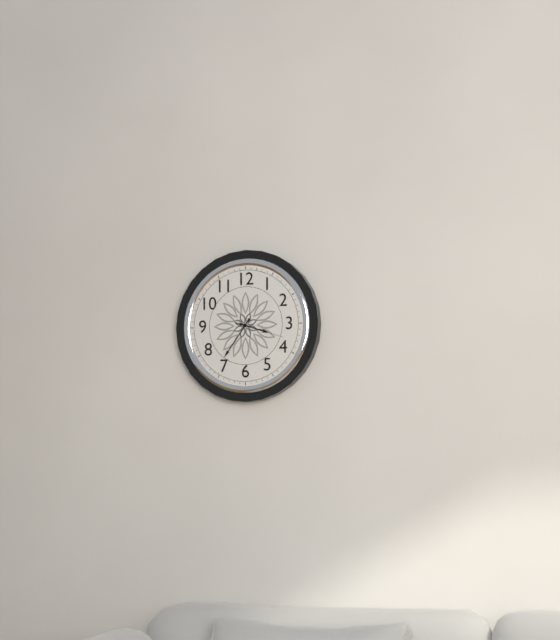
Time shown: **3:36:18**
